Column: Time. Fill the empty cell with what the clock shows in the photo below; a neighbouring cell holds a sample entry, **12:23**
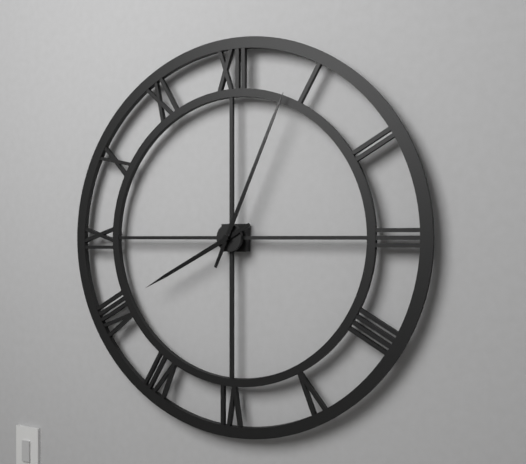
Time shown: **8:04**
